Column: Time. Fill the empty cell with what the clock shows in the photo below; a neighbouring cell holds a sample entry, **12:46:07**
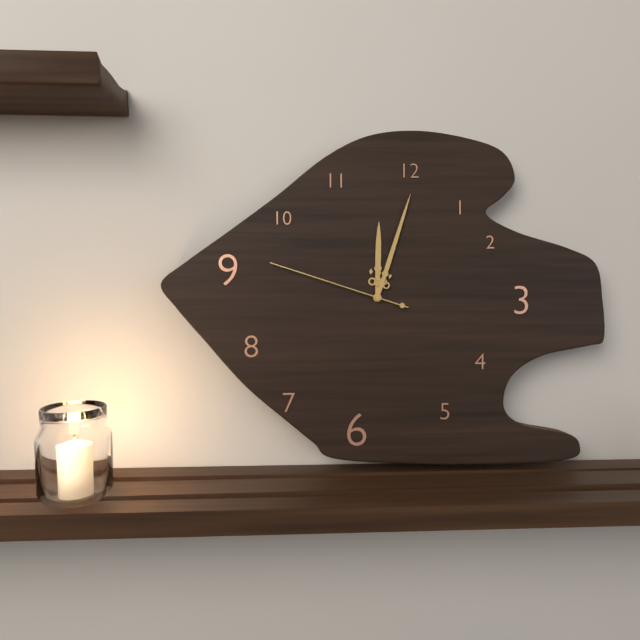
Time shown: **12:03:48**
